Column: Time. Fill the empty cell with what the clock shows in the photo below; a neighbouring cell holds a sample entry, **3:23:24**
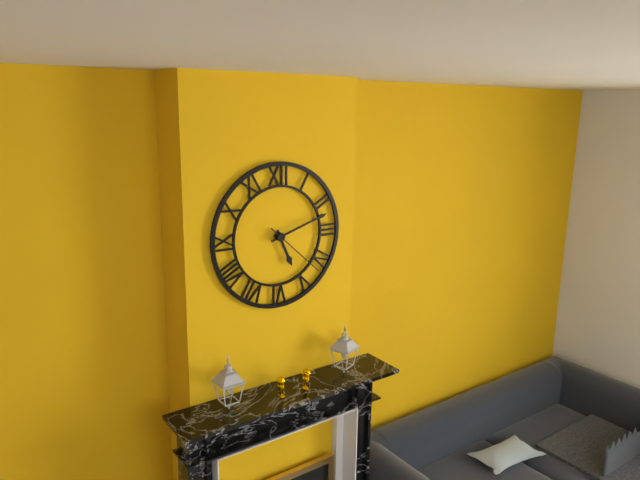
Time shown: **5:12:22**
